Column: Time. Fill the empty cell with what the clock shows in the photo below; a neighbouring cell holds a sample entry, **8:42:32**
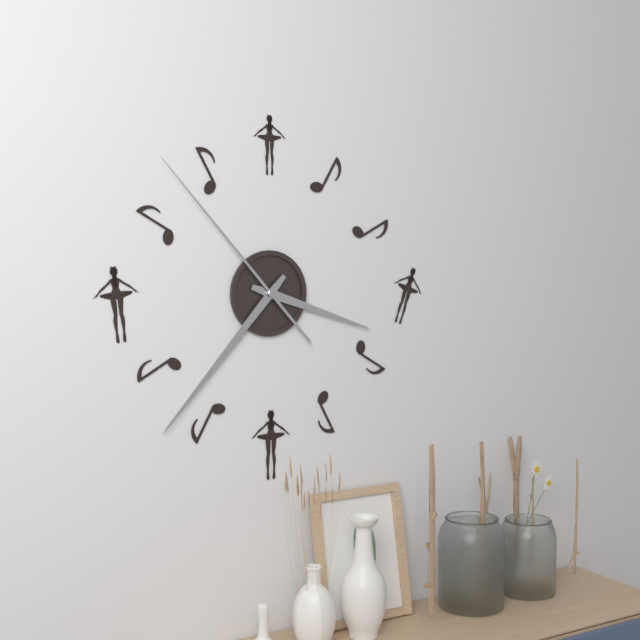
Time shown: **3:37:53**
